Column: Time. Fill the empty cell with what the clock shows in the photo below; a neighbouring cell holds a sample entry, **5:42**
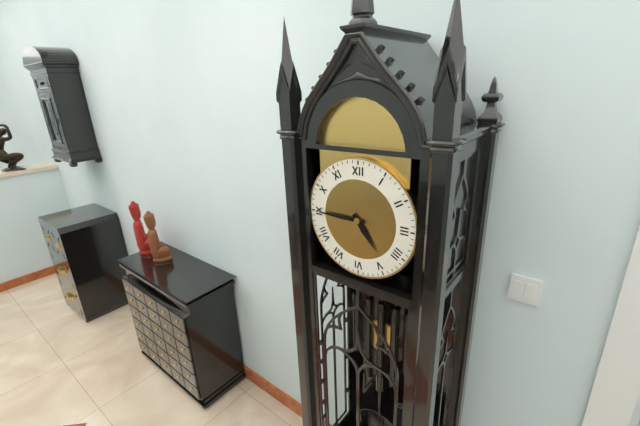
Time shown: **4:45**
